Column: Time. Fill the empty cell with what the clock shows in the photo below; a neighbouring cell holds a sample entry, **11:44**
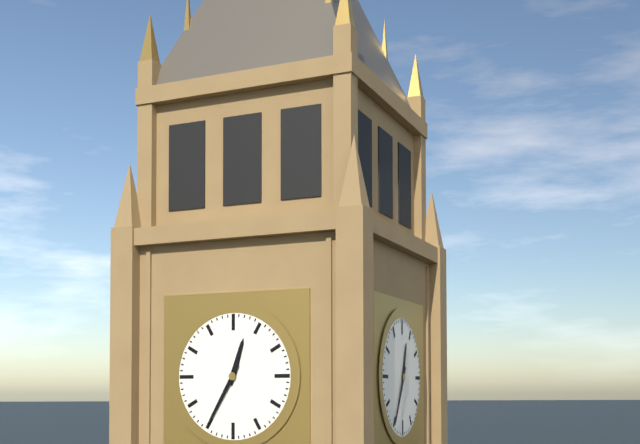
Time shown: **12:35**
